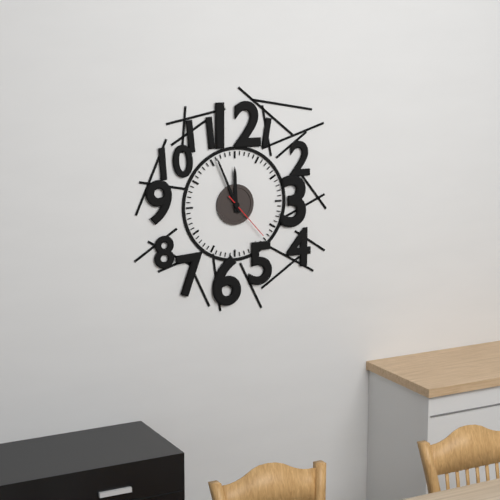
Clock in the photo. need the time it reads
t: 11:56:23
